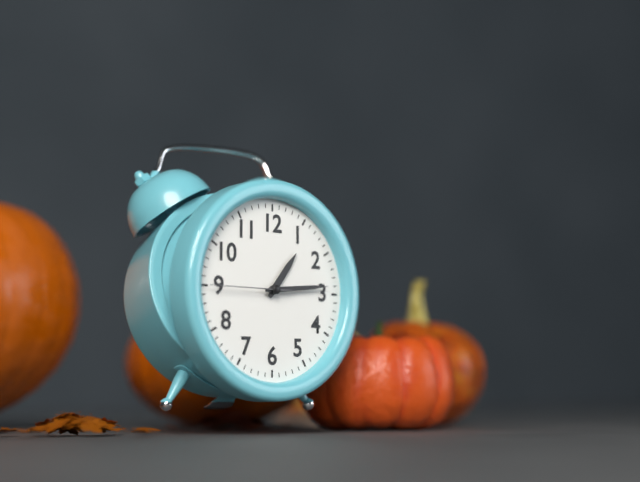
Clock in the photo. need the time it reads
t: 1:14:45
